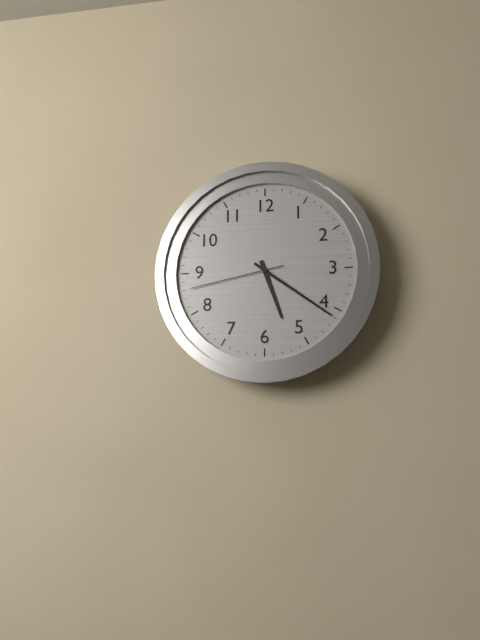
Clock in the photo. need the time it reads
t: 5:21:43
